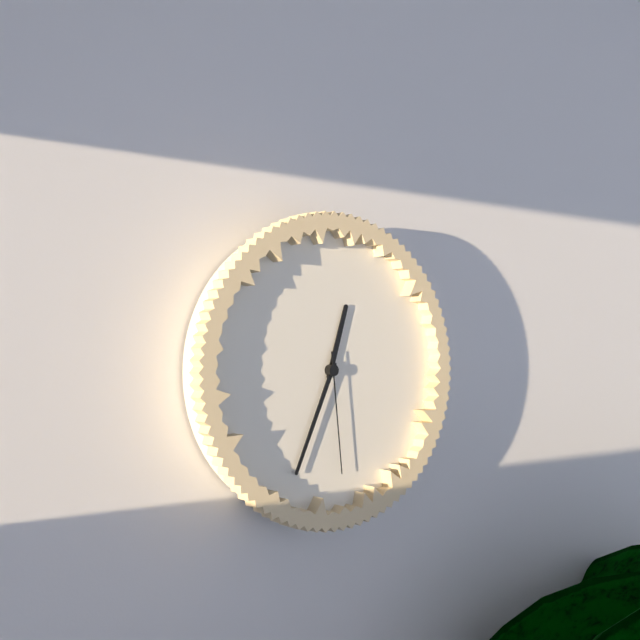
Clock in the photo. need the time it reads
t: 12:34:29
